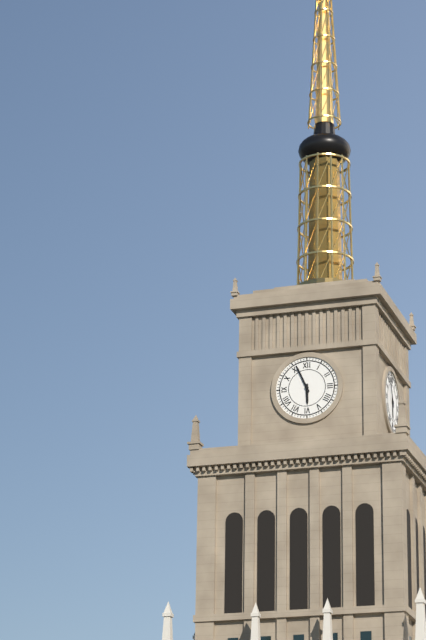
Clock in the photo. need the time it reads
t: 5:56
